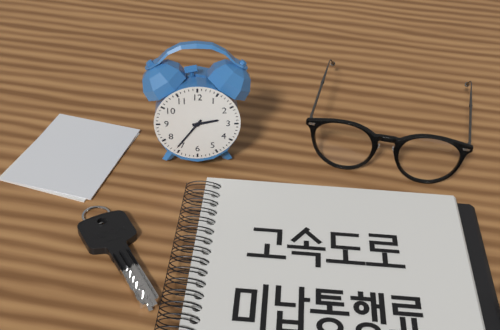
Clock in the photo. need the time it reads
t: 2:36
